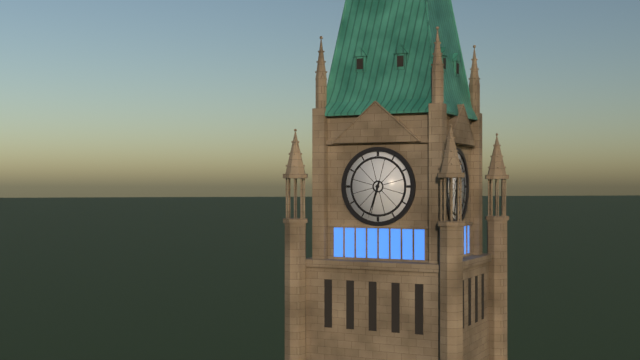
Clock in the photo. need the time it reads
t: 6:33
